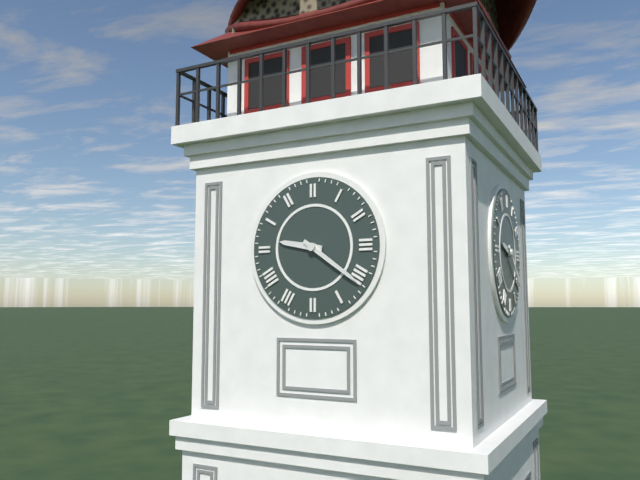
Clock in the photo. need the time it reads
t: 9:21
